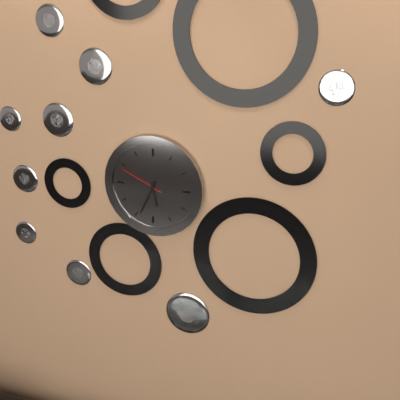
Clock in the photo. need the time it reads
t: 5:34
